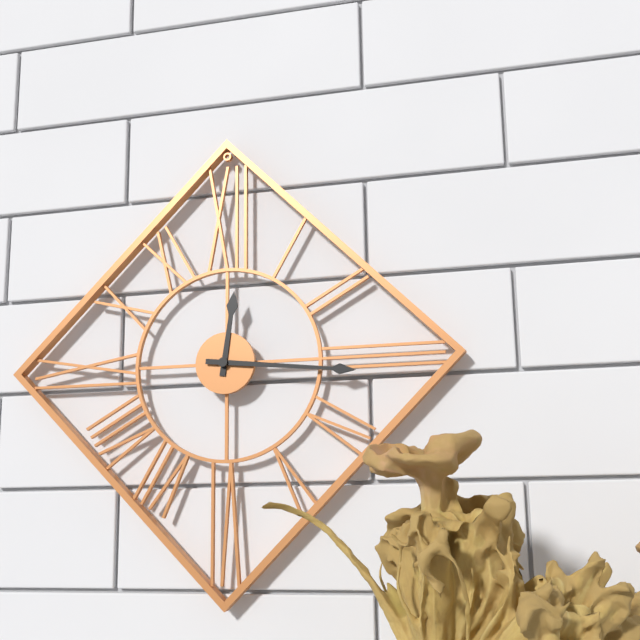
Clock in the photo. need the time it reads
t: 12:16
